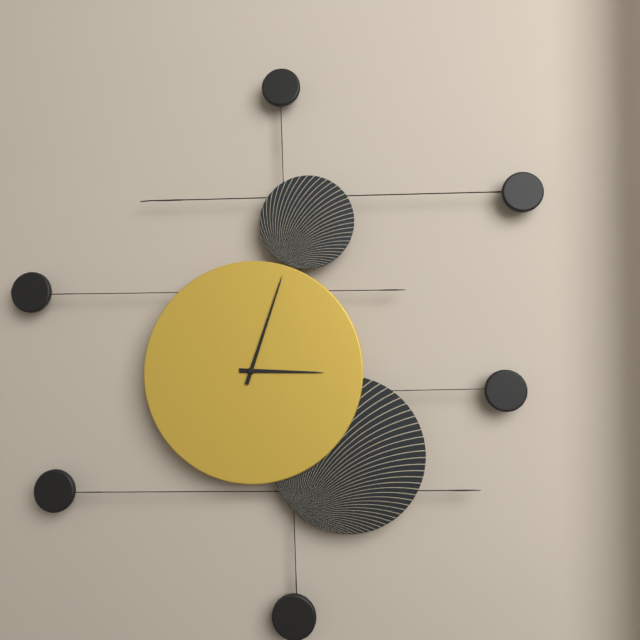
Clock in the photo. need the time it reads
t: 3:03
